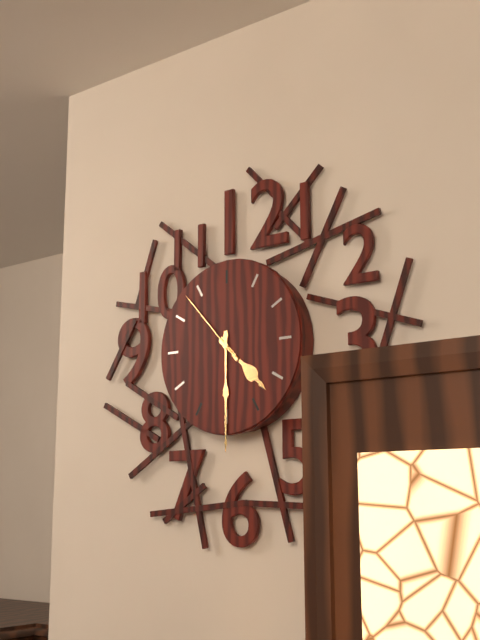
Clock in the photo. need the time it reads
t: 4:30:53
